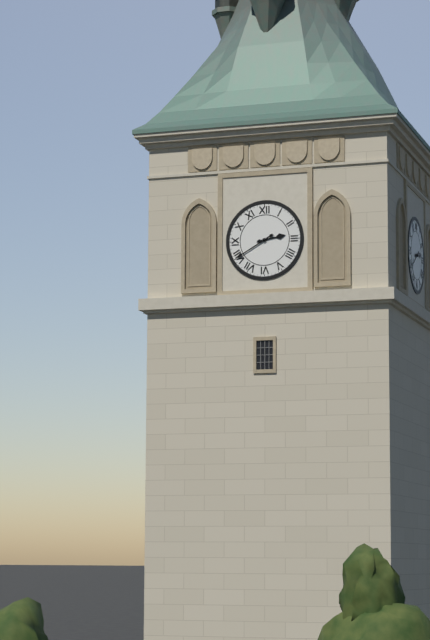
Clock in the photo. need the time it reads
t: 2:40
